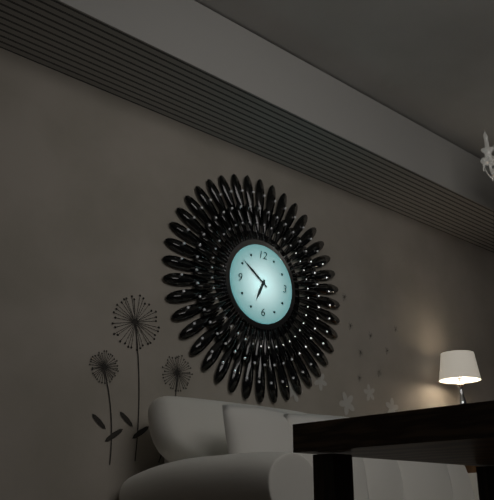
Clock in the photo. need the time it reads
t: 6:51
